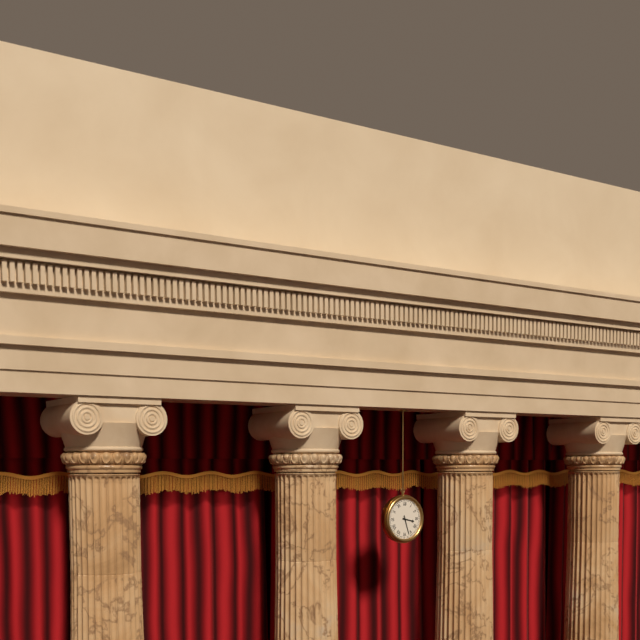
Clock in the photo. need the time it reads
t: 3:27
